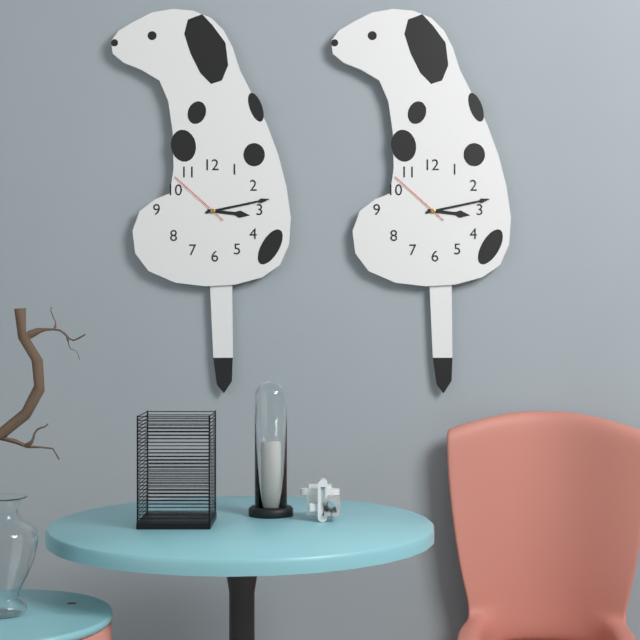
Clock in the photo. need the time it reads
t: 3:13:52
